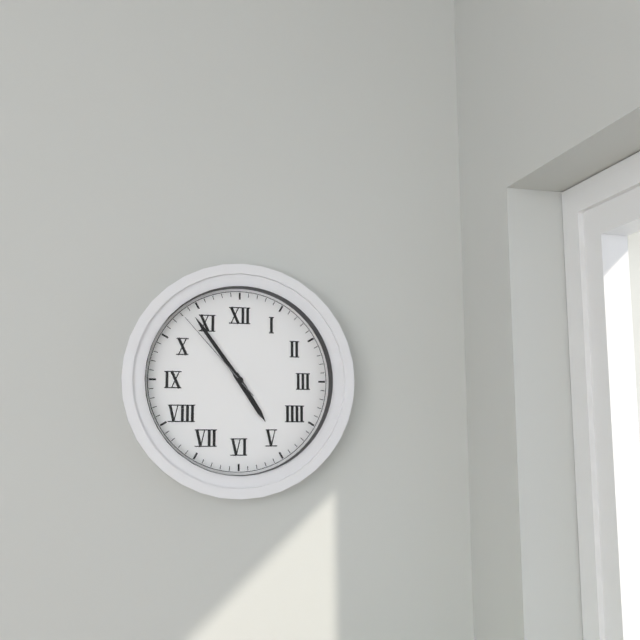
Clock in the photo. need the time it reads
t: 4:54:53
